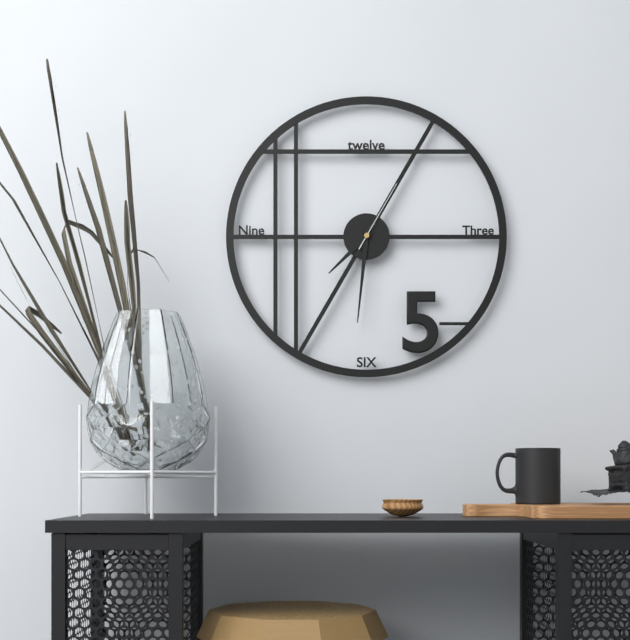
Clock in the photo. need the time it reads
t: 7:31:05
